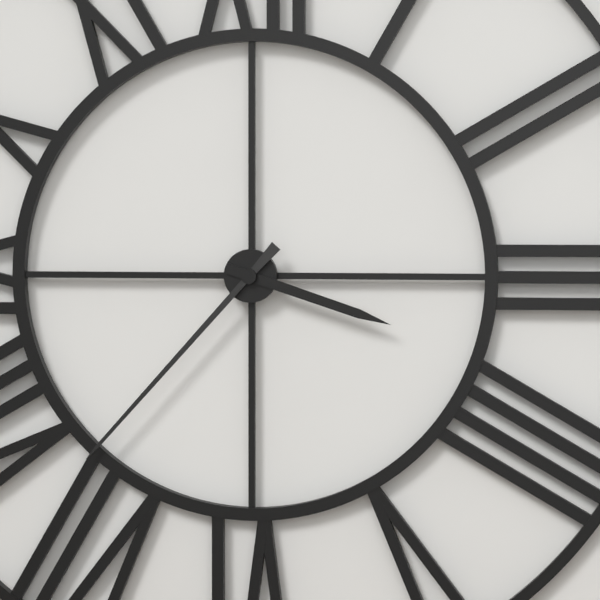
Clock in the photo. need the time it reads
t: 3:37
